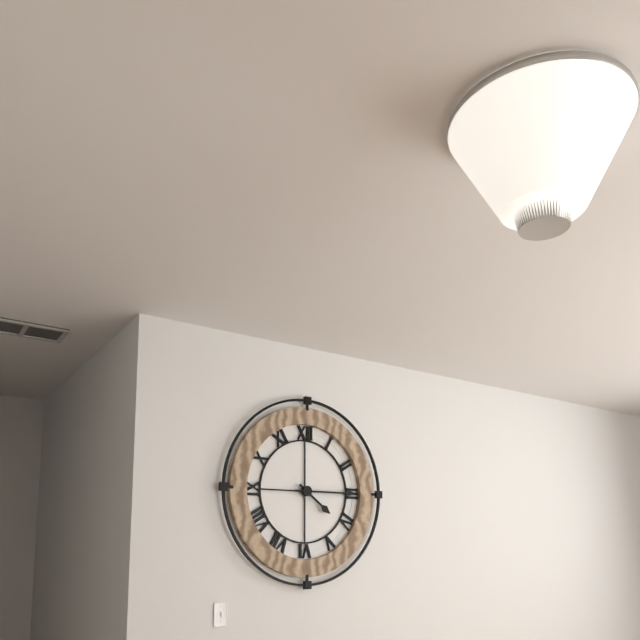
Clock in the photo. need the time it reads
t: 4:15
